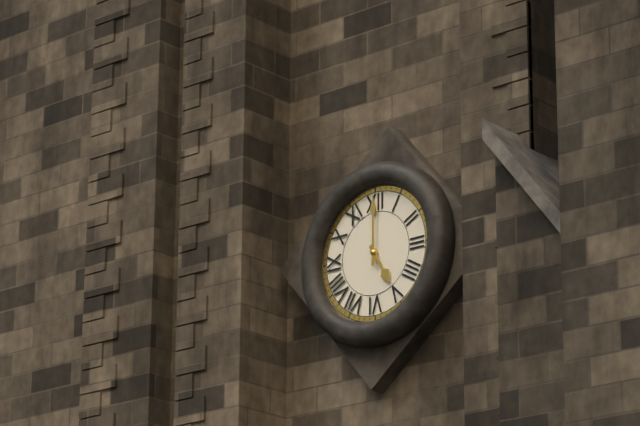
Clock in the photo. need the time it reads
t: 5:00
